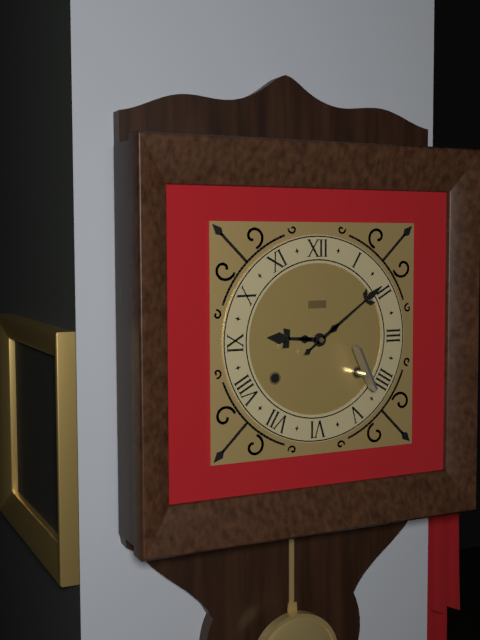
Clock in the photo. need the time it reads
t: 9:09
